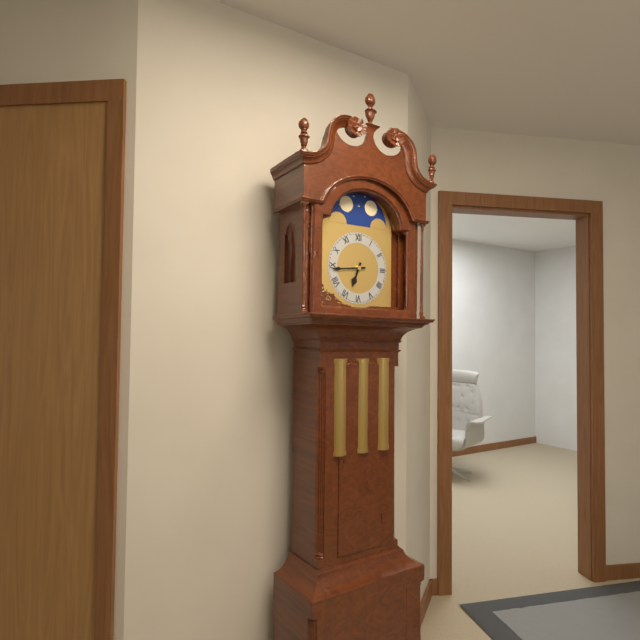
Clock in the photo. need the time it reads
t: 6:44
